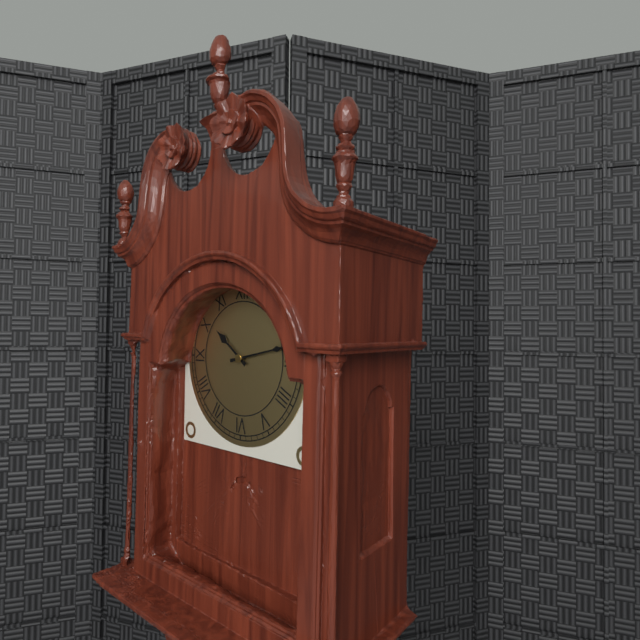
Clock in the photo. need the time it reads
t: 10:13
